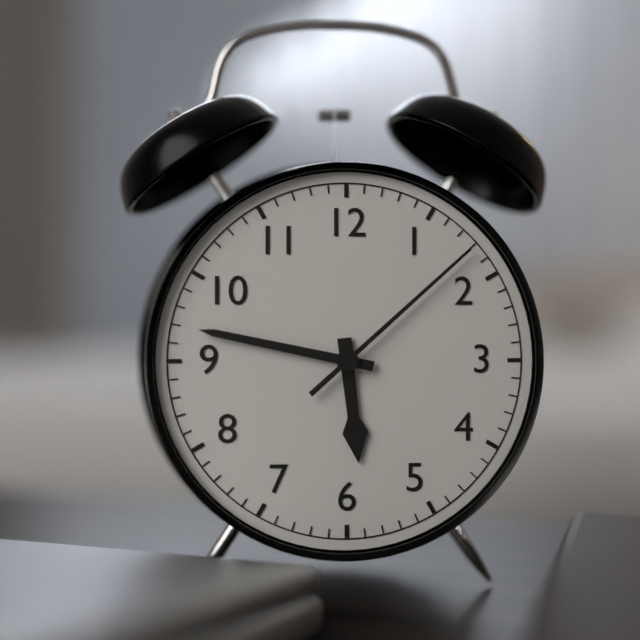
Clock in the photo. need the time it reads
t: 5:47:08
